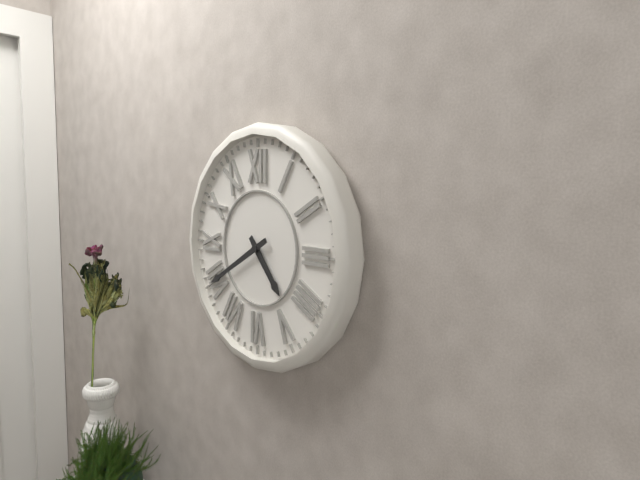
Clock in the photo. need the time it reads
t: 4:40
